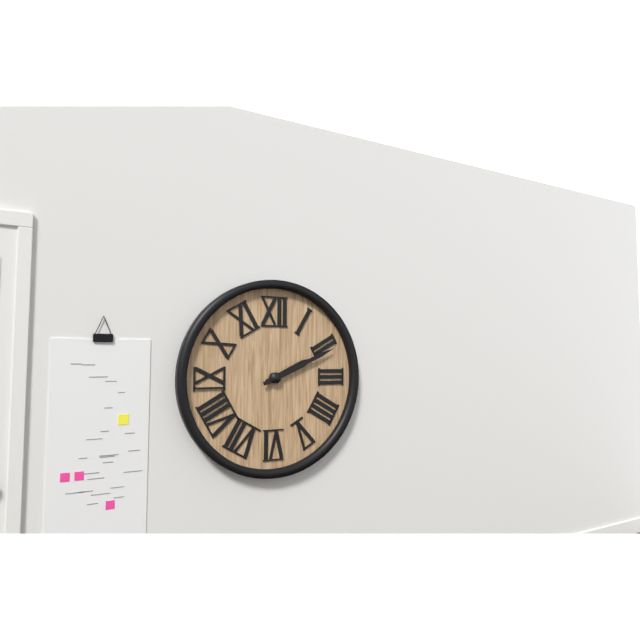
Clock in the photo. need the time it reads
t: 2:11
